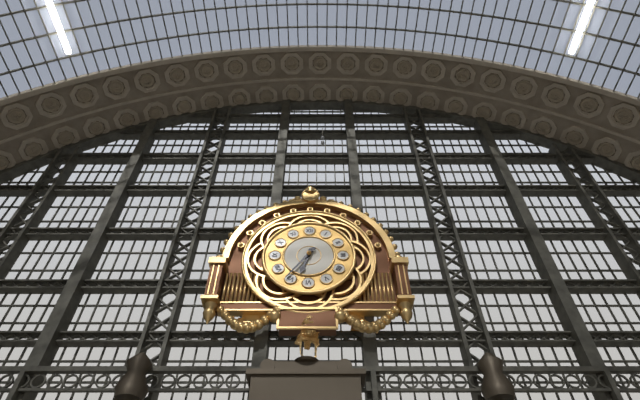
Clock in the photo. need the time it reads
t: 6:36
